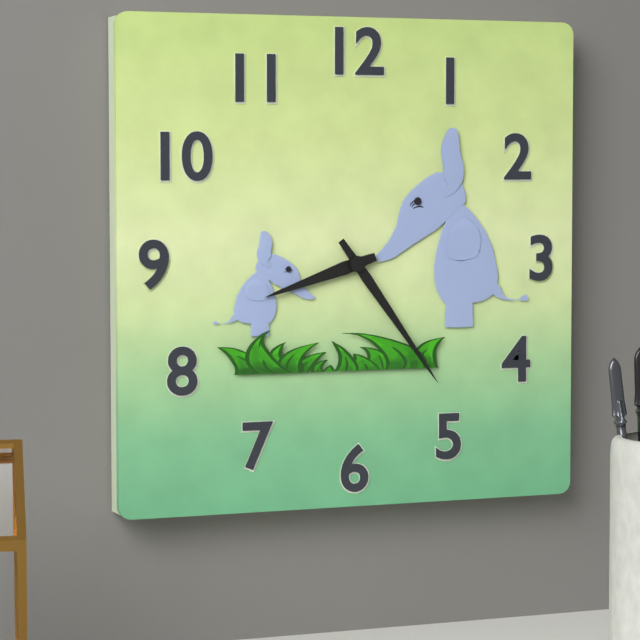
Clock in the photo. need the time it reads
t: 8:24
